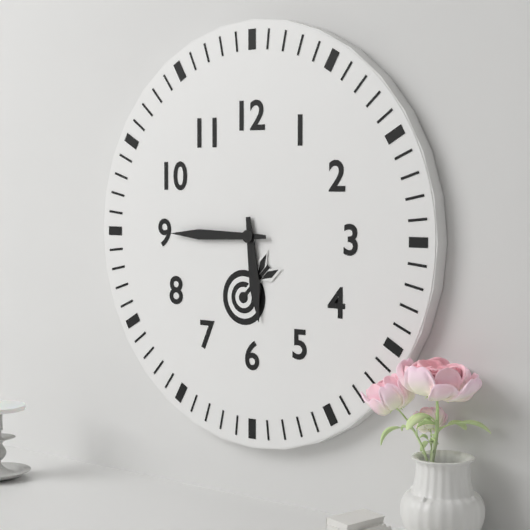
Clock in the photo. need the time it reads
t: 5:45
